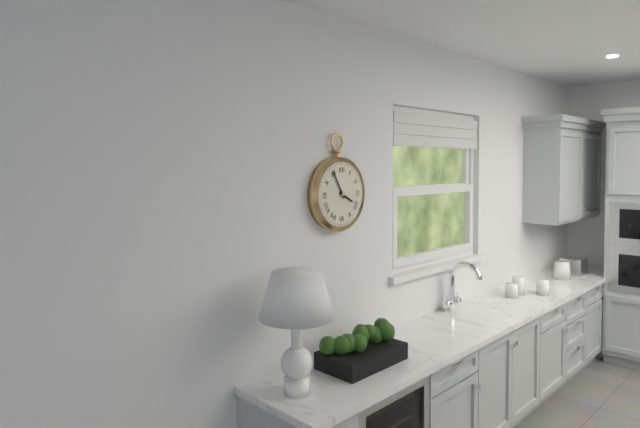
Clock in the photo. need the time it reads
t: 3:55
